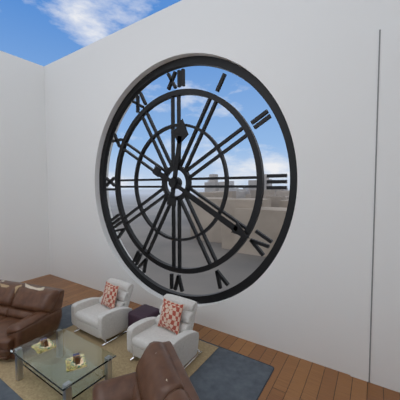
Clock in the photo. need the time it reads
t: 12:20
